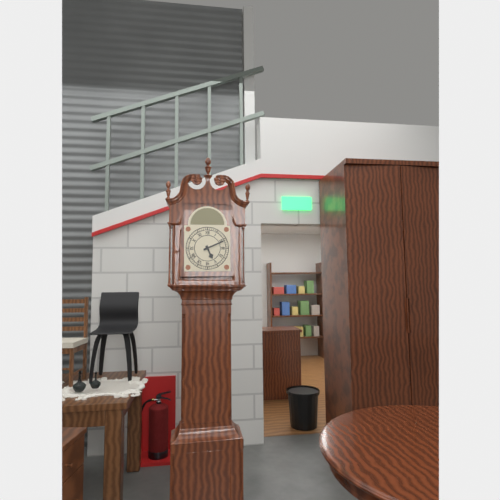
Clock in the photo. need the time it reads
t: 5:11
